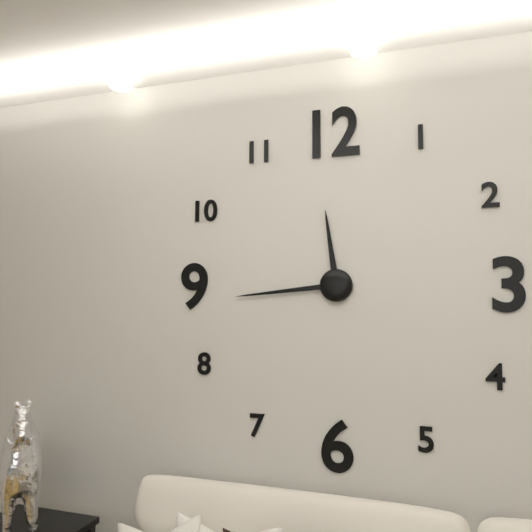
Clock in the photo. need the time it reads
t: 11:44
